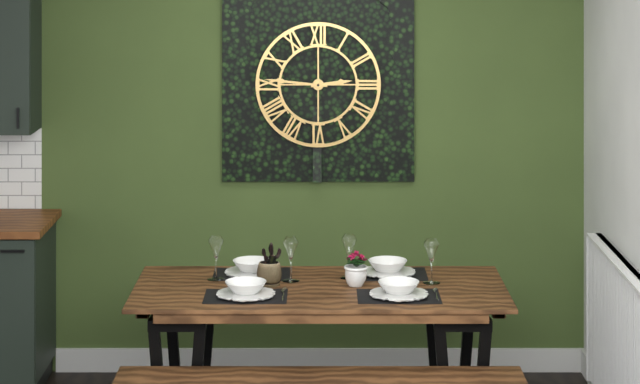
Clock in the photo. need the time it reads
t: 2:46
